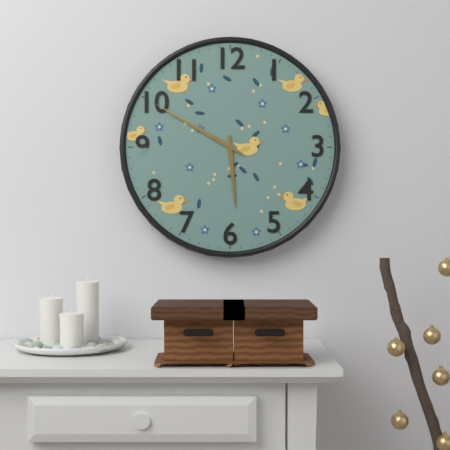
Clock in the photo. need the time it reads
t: 5:50
